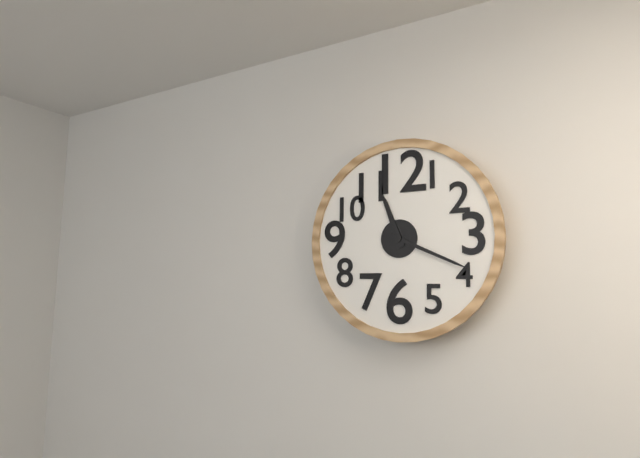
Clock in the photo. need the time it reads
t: 11:19
